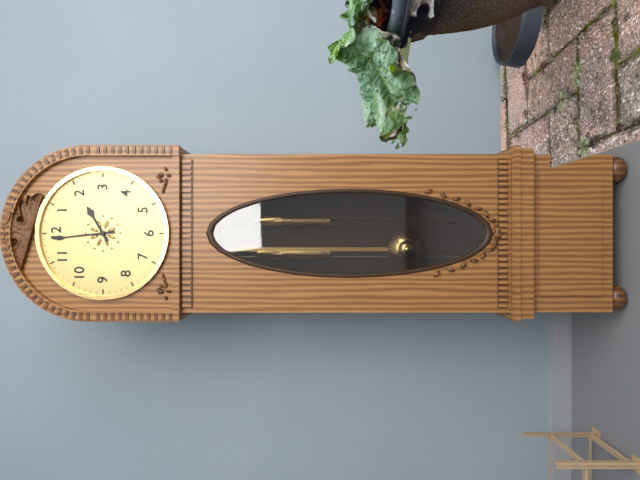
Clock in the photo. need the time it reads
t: 1:59
